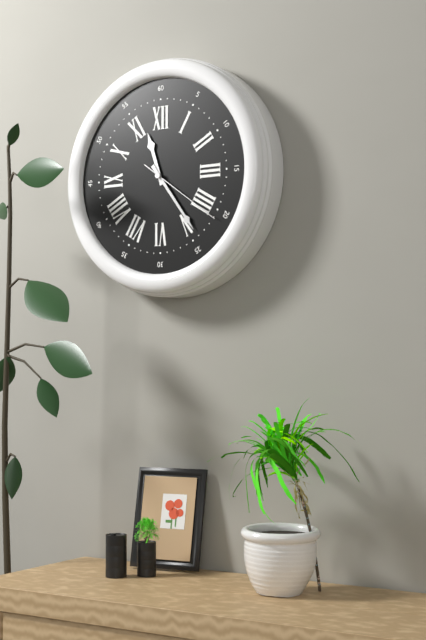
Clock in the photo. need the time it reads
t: 11:24:21
